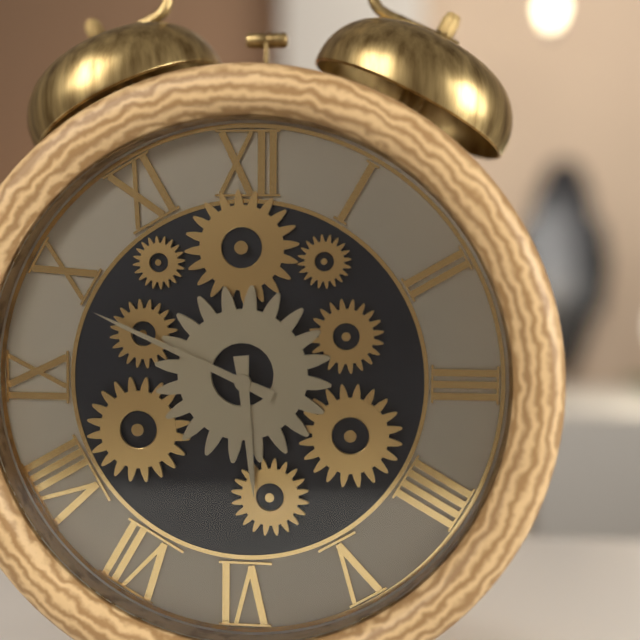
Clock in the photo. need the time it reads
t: 5:49
